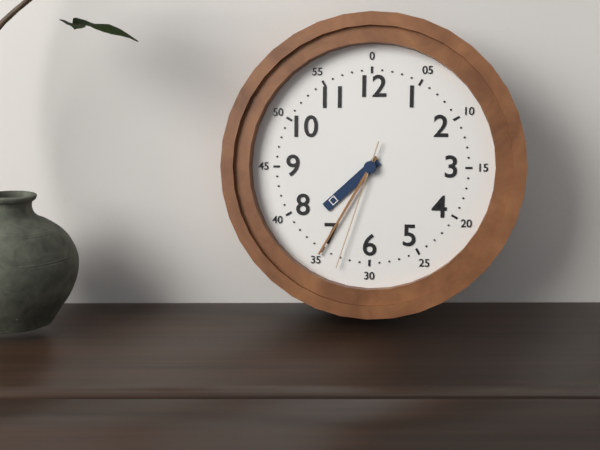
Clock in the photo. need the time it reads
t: 7:35:33
